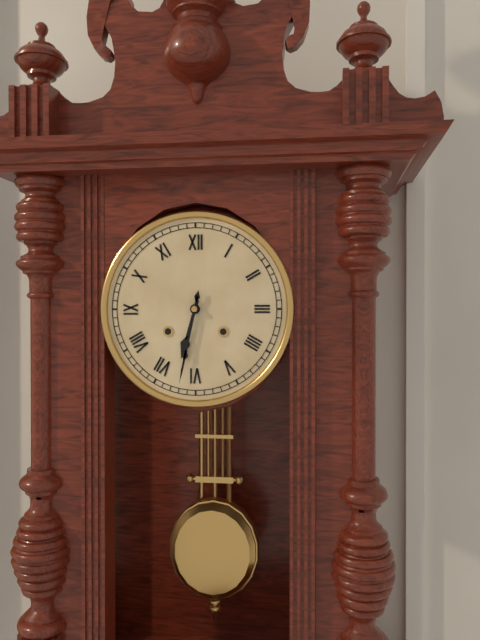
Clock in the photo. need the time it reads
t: 6:32
